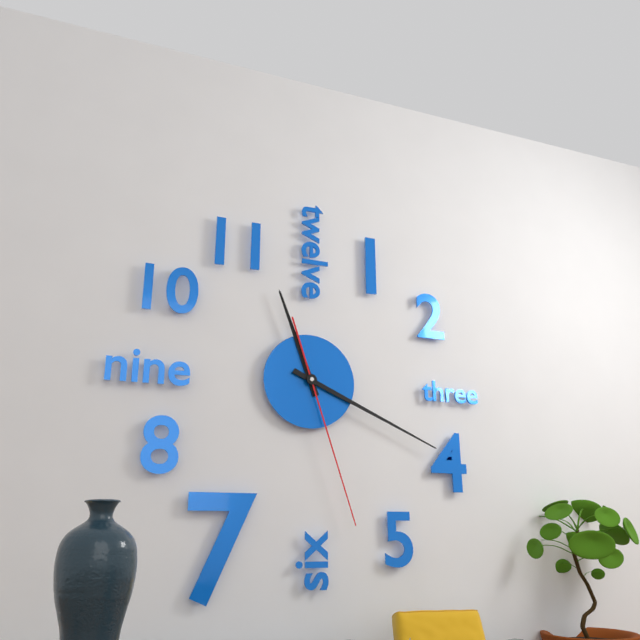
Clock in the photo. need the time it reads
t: 11:19:27
